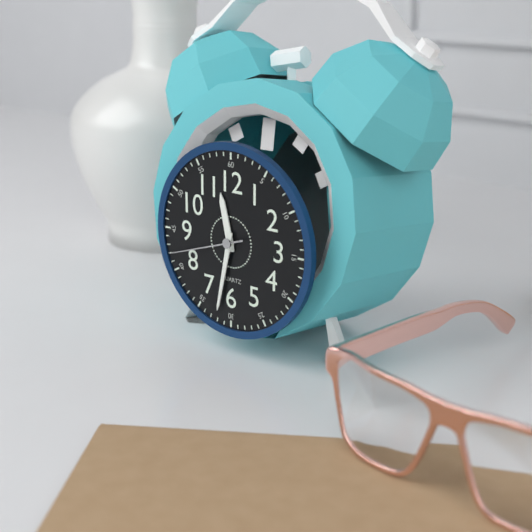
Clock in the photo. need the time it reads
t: 11:32:42
